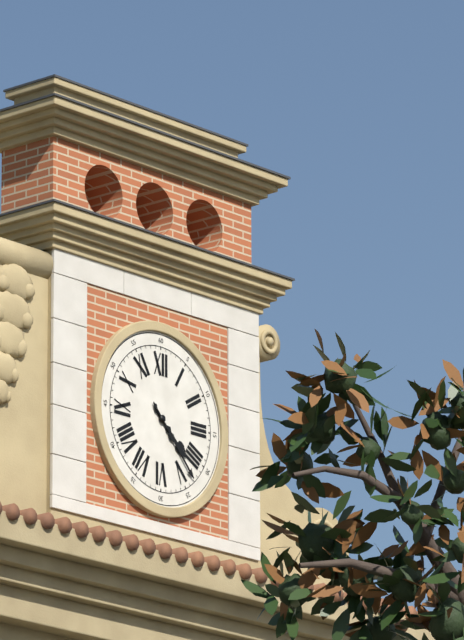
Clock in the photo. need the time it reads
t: 4:23
